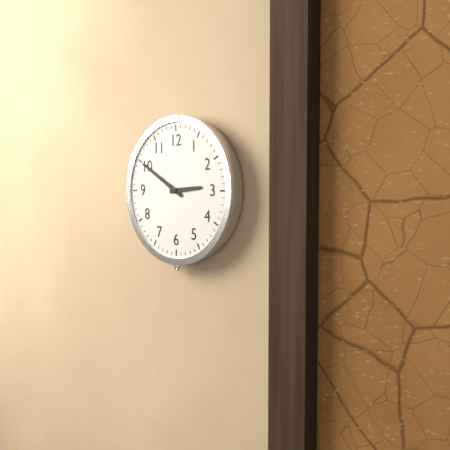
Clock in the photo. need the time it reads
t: 2:50
